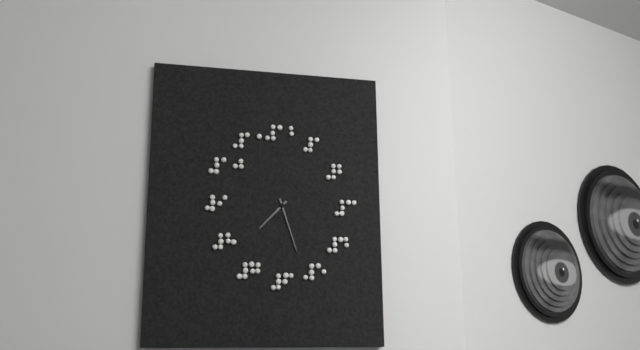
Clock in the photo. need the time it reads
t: 7:27
